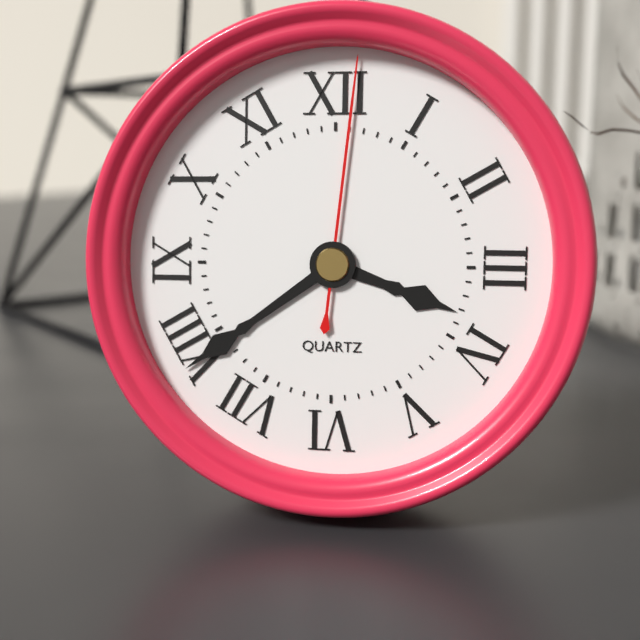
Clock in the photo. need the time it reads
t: 3:39:01
